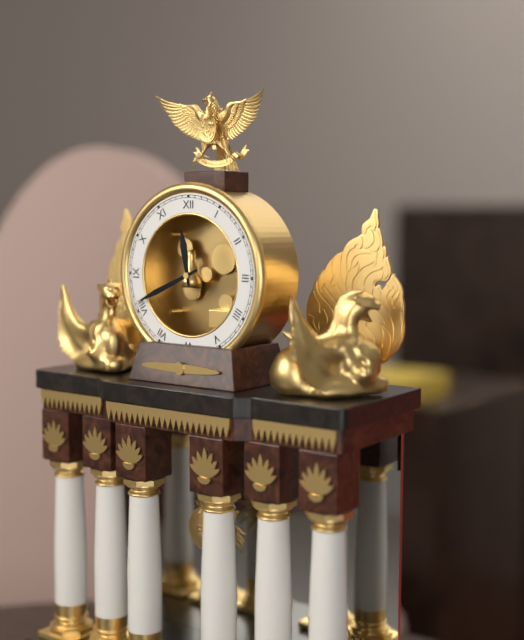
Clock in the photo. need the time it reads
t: 11:41
